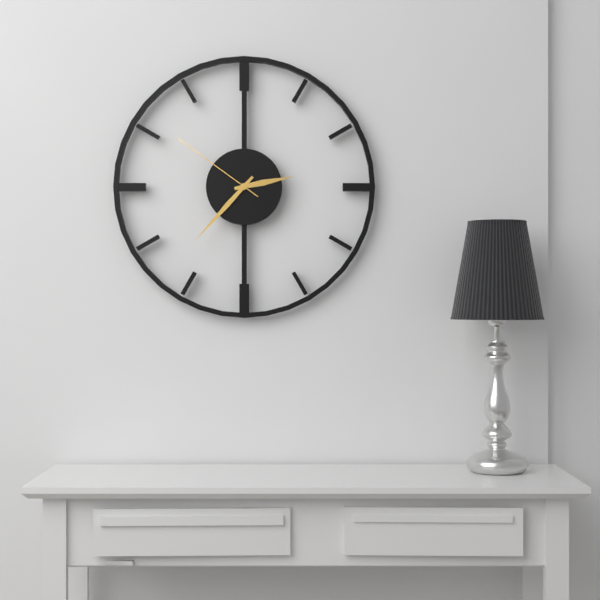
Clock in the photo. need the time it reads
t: 2:37:51
